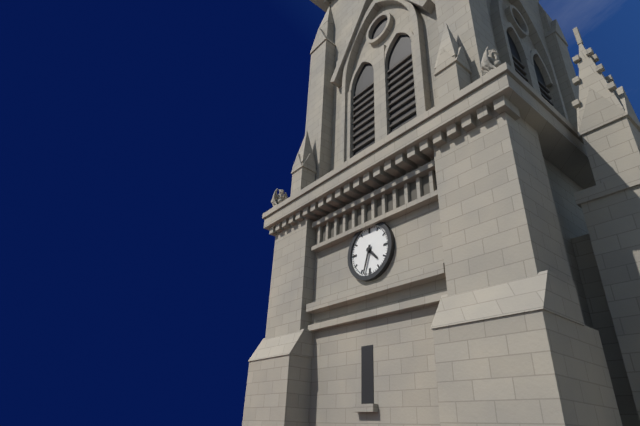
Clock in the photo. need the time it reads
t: 4:33
